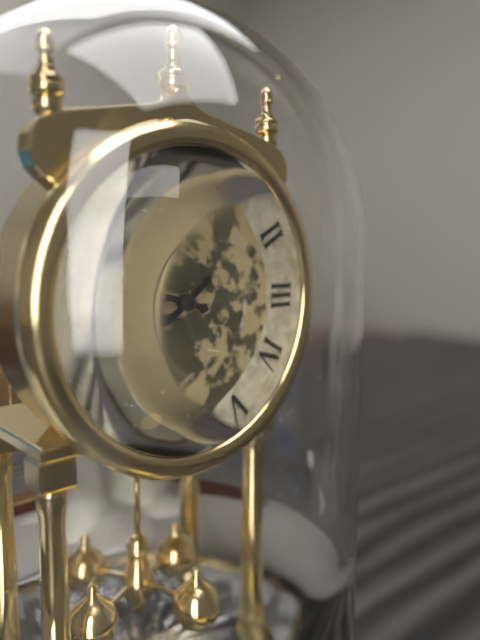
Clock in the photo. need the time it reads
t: 9:38
